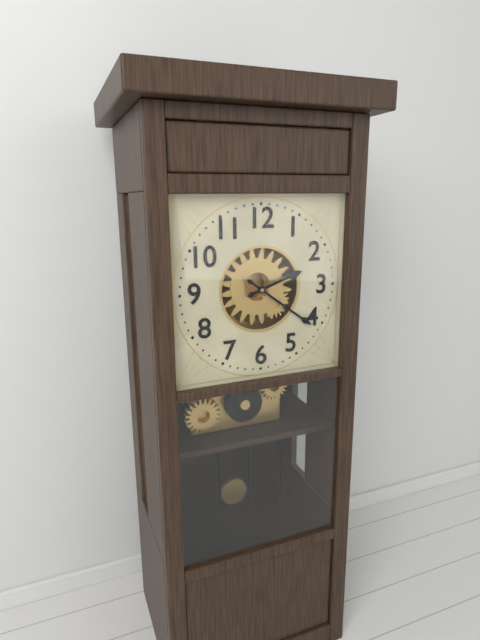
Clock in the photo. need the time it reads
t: 2:21
